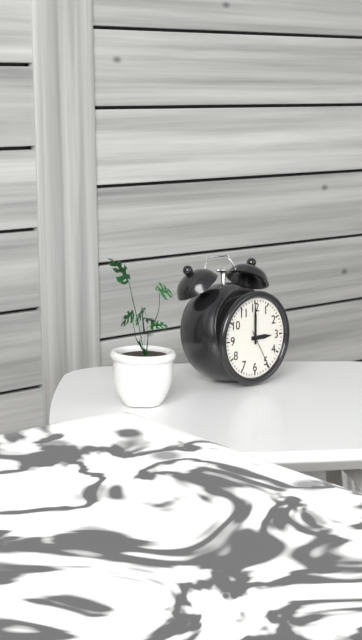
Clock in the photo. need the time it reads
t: 3:00
